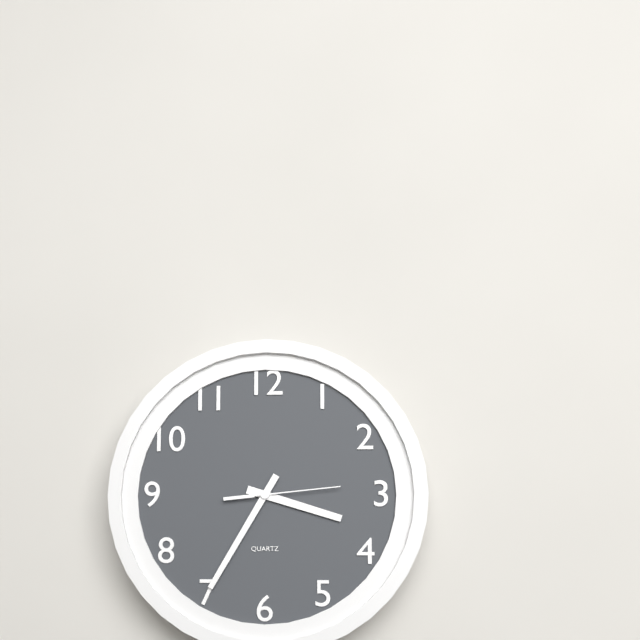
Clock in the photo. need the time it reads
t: 3:35:14
